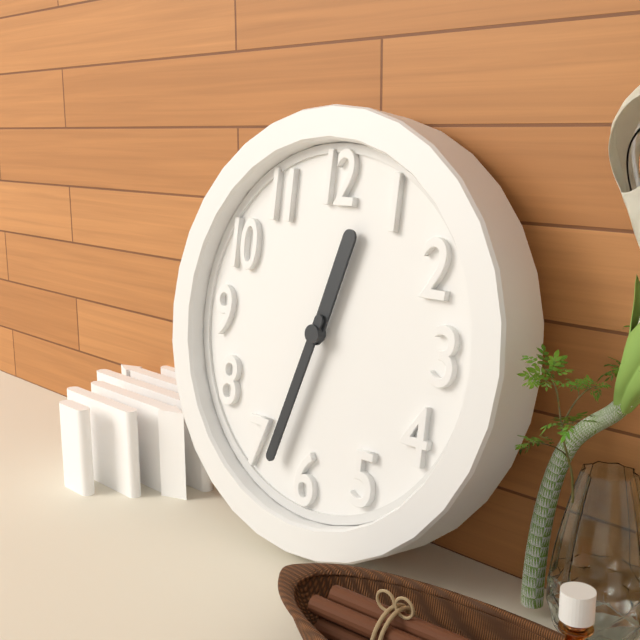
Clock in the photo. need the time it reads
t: 12:33
